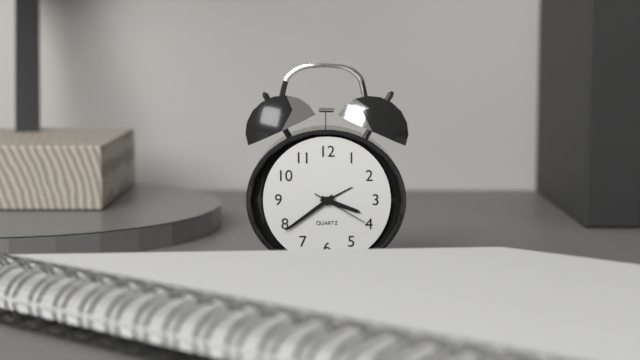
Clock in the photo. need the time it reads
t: 3:39:20
